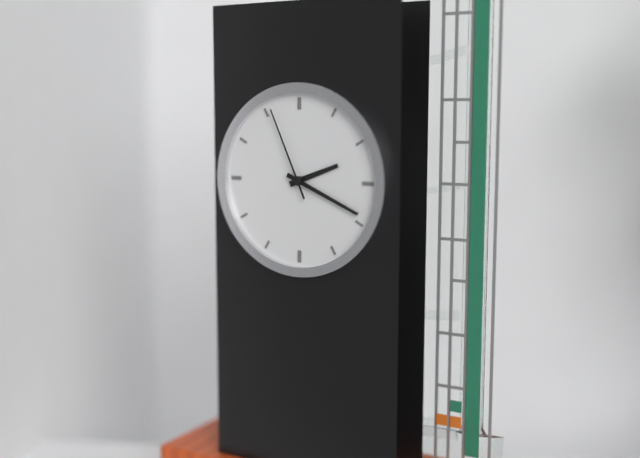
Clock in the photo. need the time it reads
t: 2:19:56
